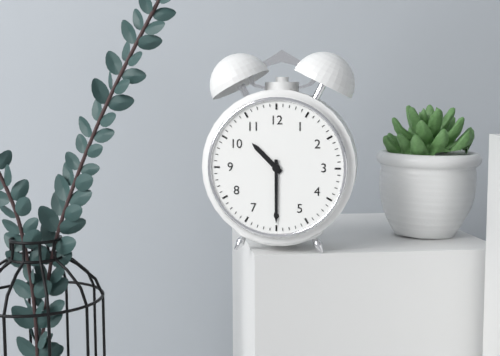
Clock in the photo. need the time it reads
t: 10:30
